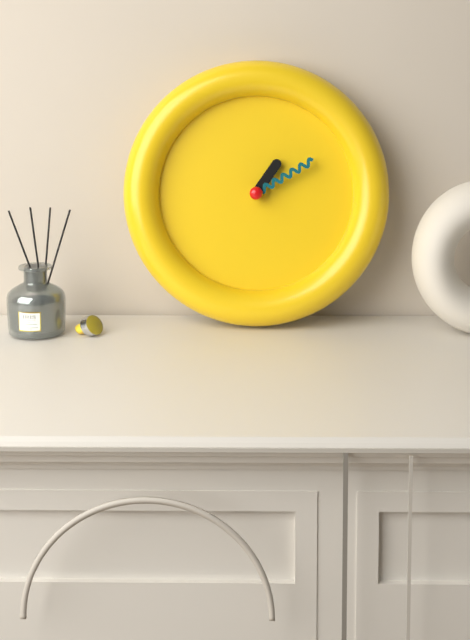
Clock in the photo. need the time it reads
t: 1:10
